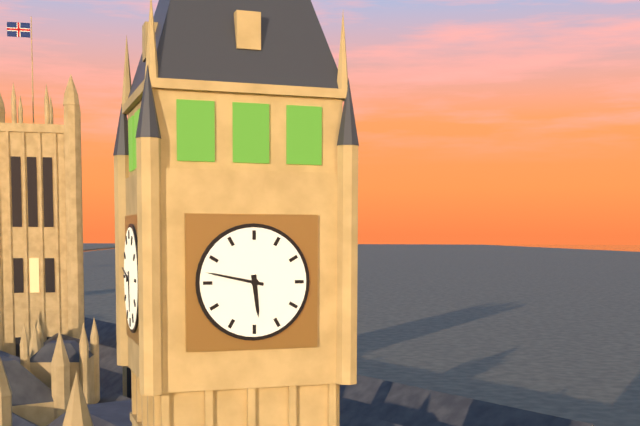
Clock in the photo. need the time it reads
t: 5:47
